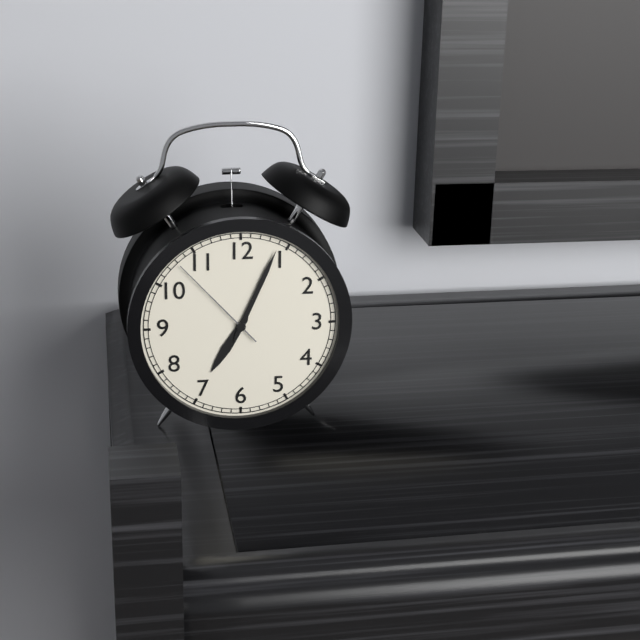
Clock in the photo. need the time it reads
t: 7:04:53
